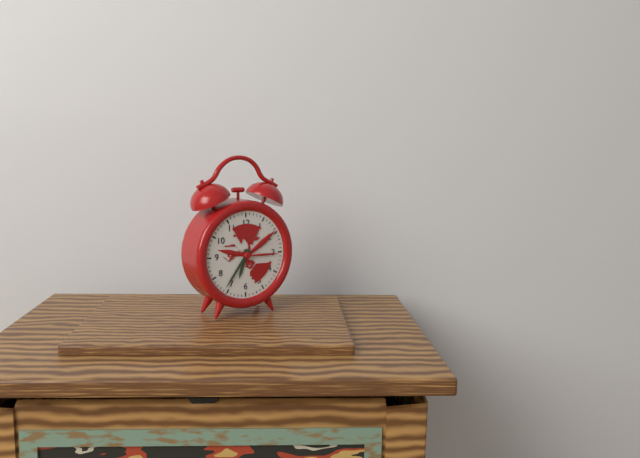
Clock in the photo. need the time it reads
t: 6:36
